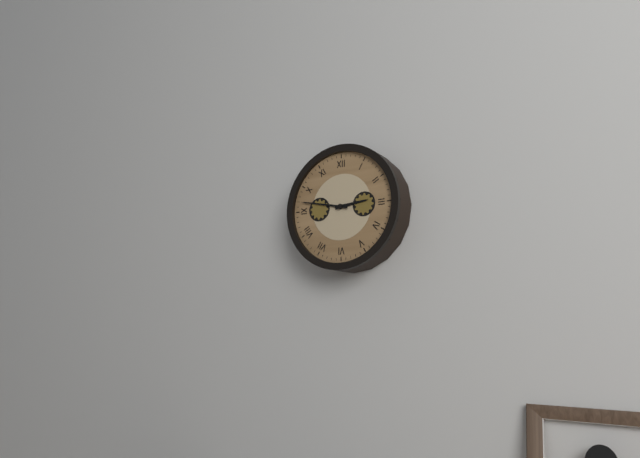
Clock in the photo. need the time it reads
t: 2:47
